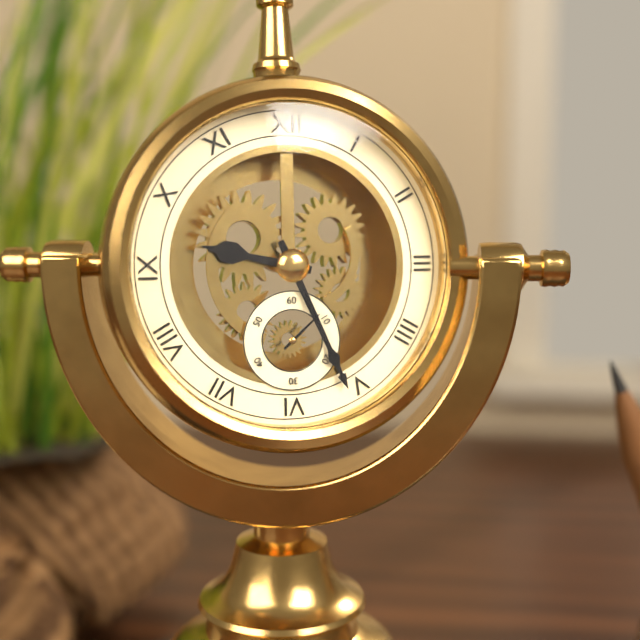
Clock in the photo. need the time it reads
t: 9:26
